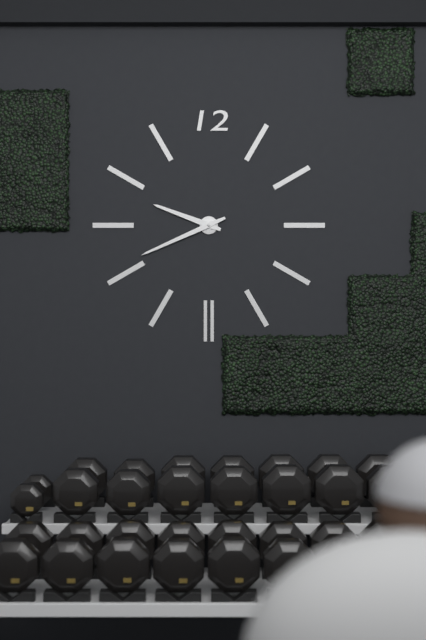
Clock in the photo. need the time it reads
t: 9:41
